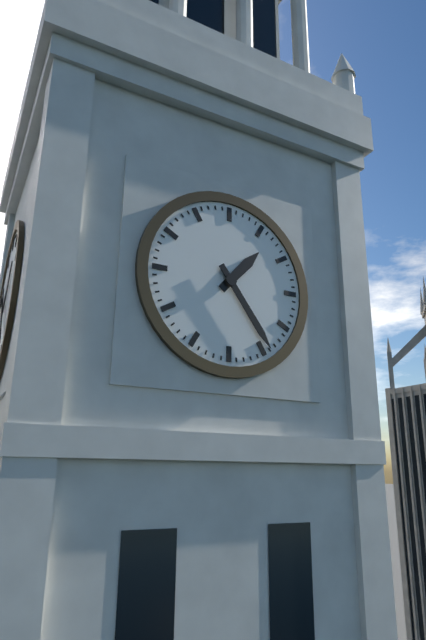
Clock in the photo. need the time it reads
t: 1:24
